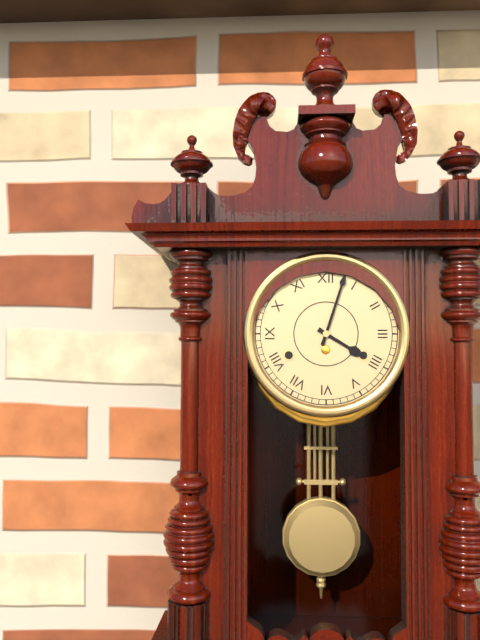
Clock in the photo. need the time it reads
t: 4:03
